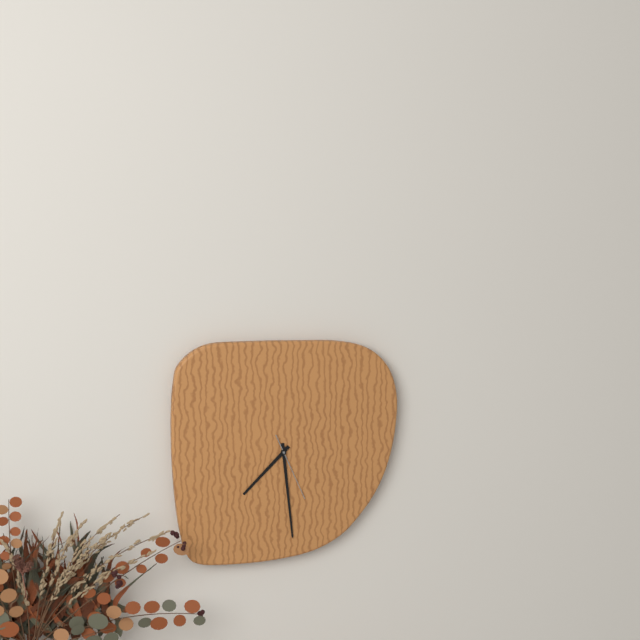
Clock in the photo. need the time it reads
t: 7:29:26
